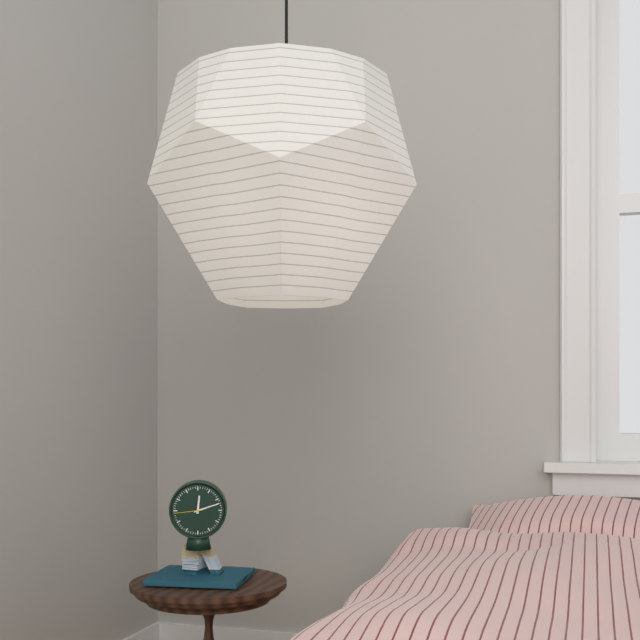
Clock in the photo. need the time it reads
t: 12:12
